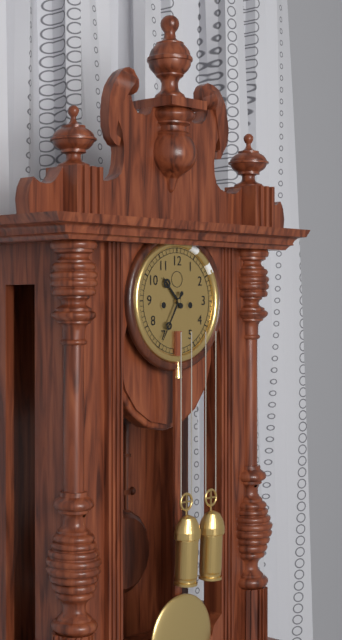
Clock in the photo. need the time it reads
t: 10:35
